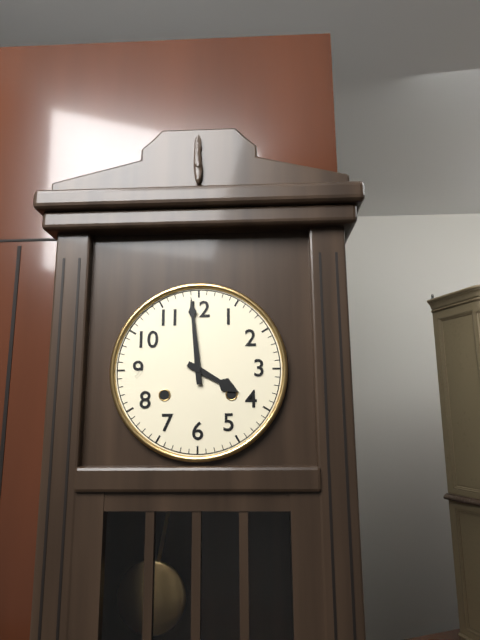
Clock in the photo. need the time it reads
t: 3:59
